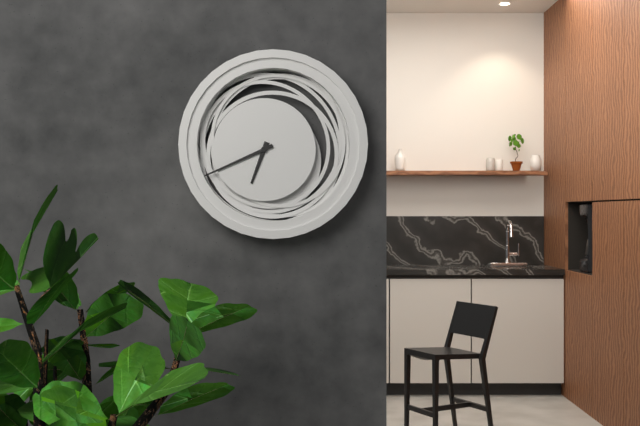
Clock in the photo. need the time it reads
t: 6:41
